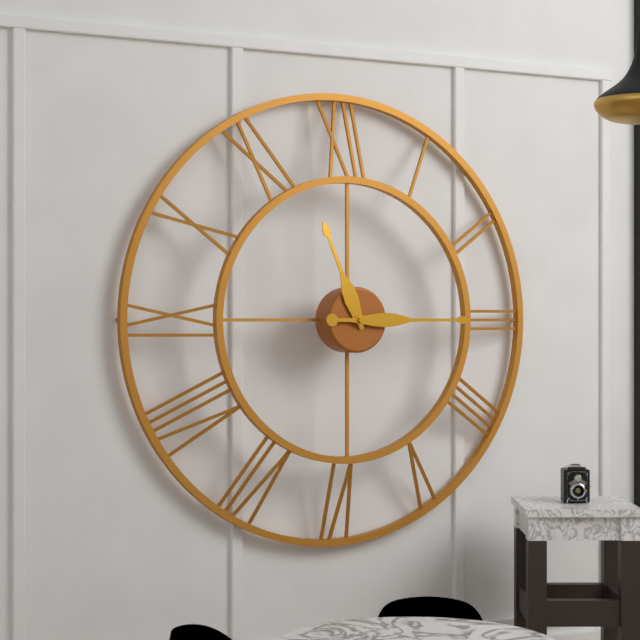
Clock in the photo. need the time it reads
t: 11:15
